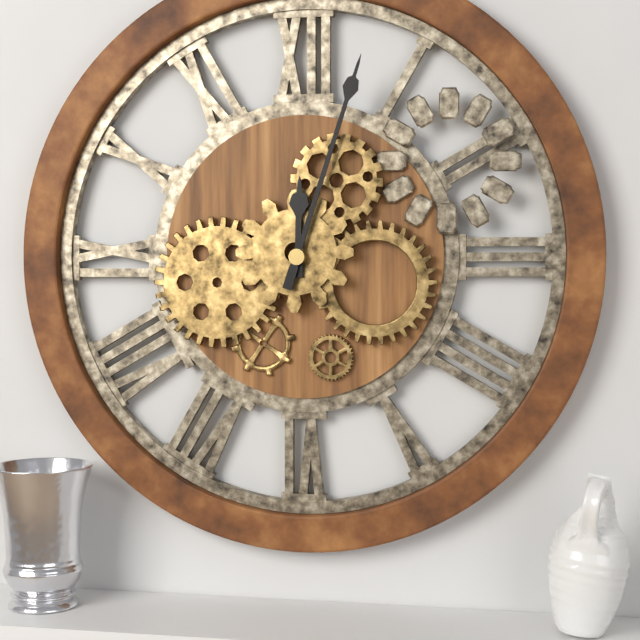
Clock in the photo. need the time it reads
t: 12:03
